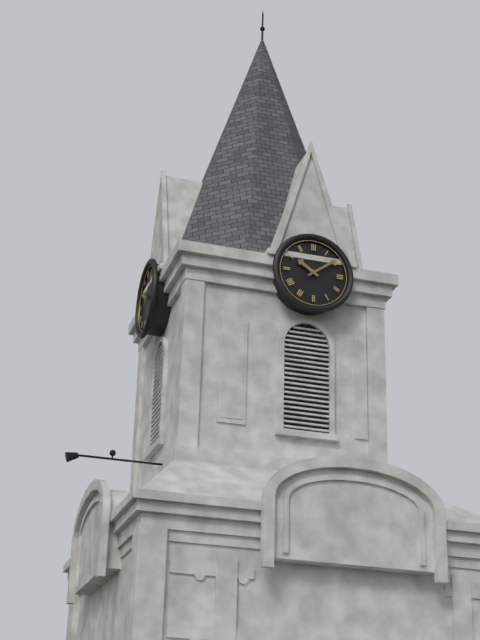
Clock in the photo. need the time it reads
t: 10:09
